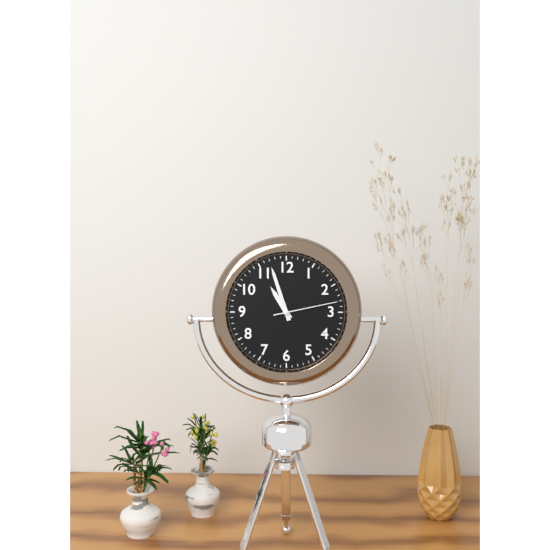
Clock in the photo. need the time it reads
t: 10:57:13
